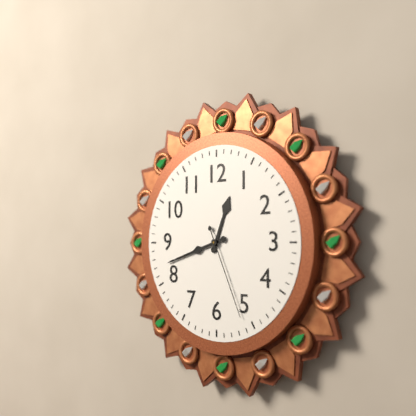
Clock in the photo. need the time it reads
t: 12:42:26
